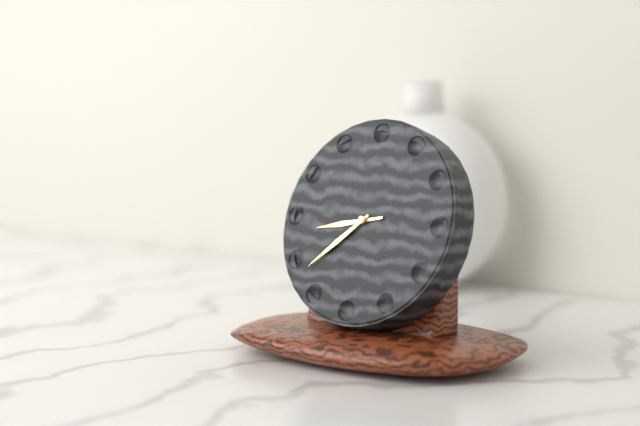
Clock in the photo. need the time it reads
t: 8:38
